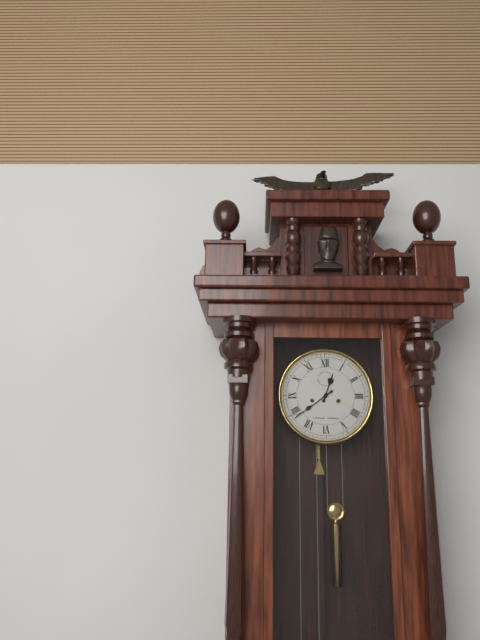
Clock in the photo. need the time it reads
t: 12:39
